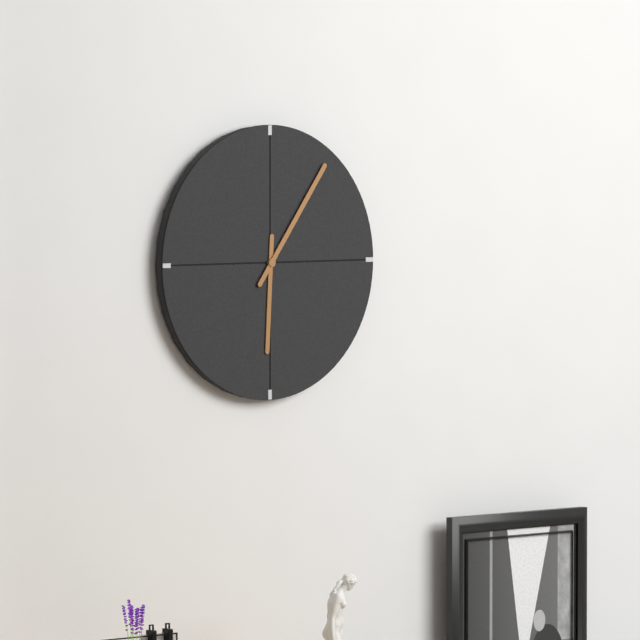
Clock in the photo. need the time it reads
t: 6:06
